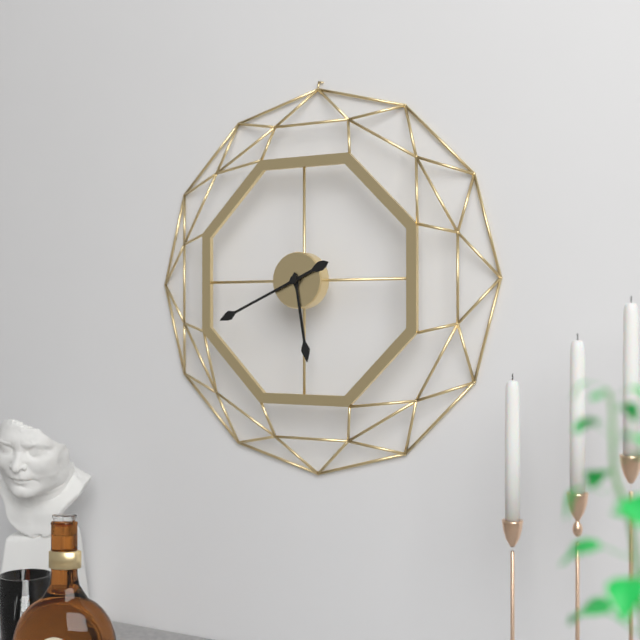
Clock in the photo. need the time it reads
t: 5:41
